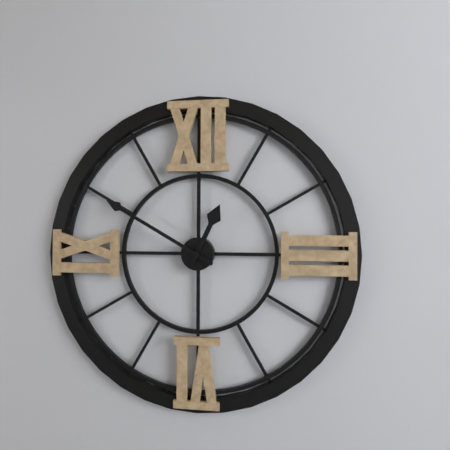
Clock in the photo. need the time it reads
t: 12:50
